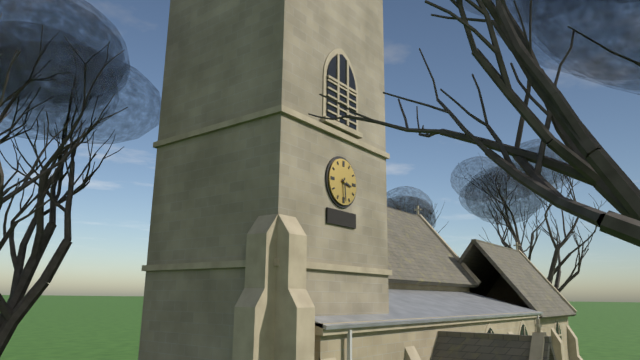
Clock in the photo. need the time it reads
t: 3:29
